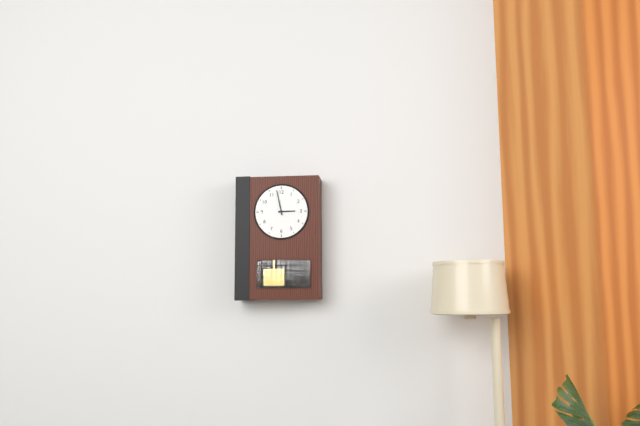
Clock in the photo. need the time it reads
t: 2:58
